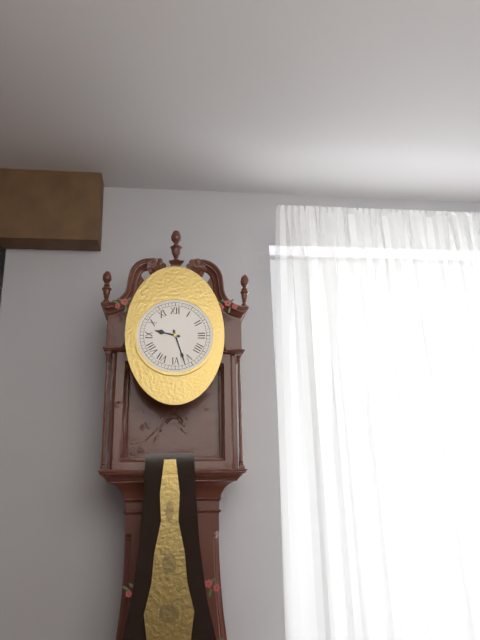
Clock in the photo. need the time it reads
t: 9:27
